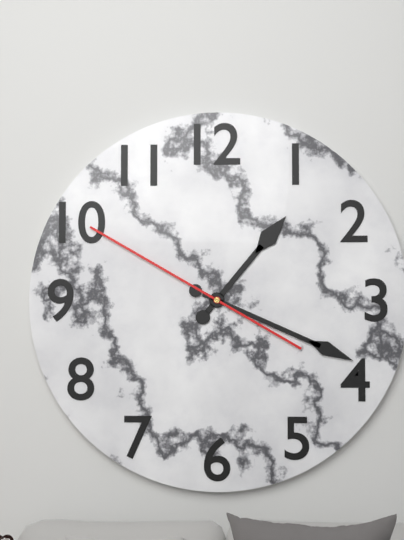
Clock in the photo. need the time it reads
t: 1:19:50
